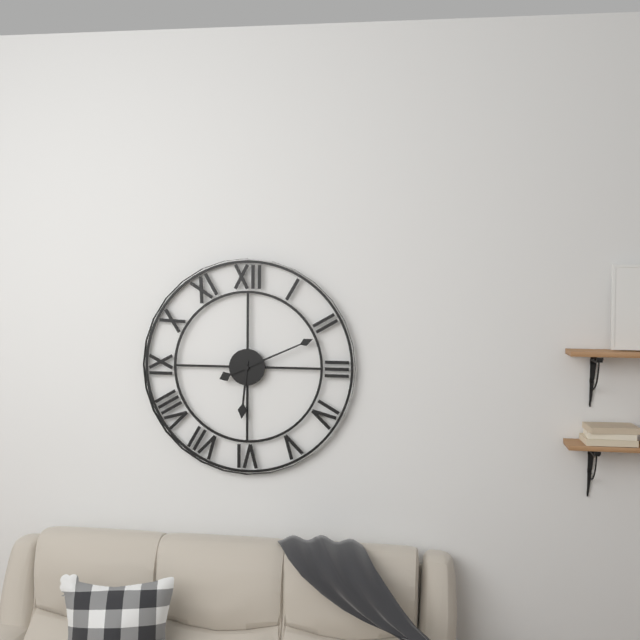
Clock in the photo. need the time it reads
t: 6:11
